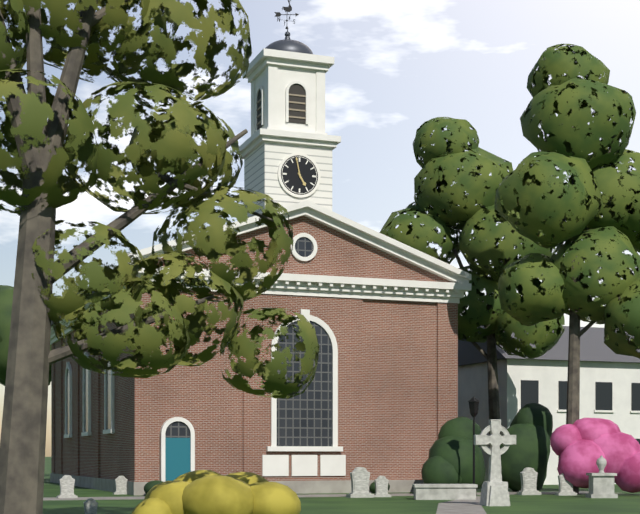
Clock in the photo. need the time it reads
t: 4:58
